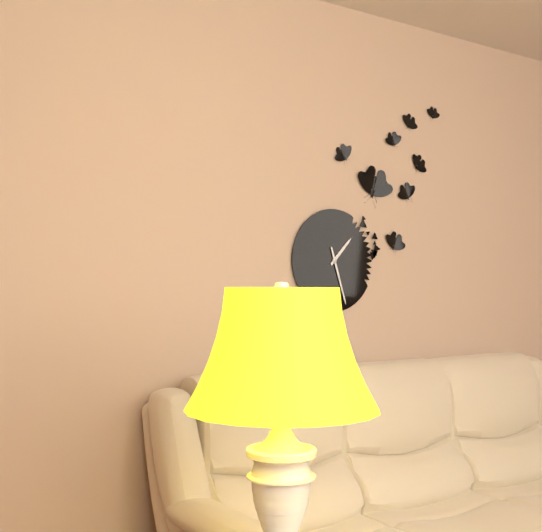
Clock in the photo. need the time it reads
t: 1:27
